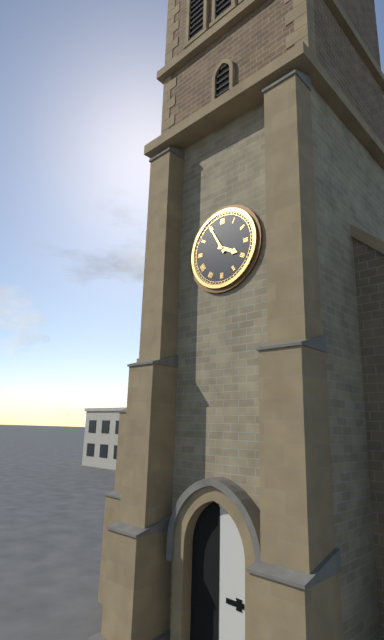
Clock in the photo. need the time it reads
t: 3:55
